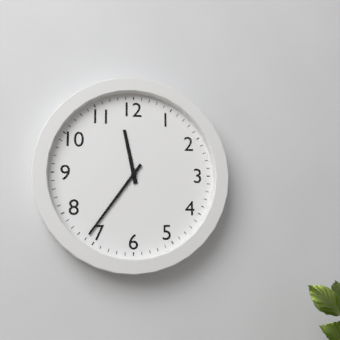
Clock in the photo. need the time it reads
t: 11:36
